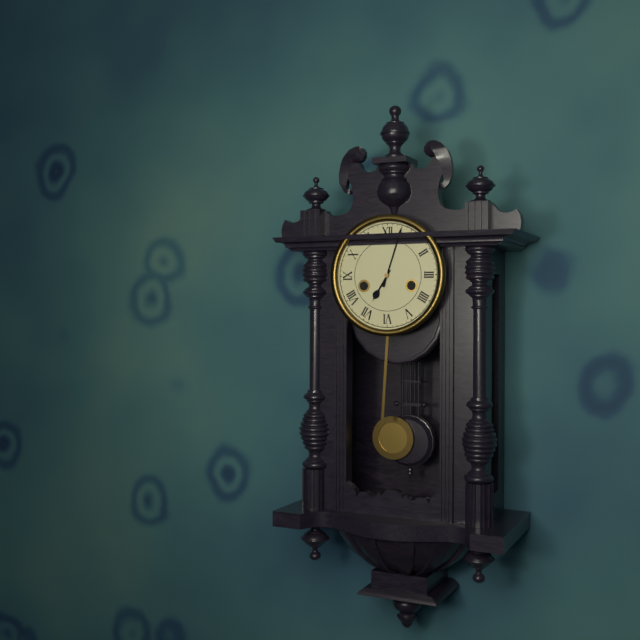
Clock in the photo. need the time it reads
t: 7:03
